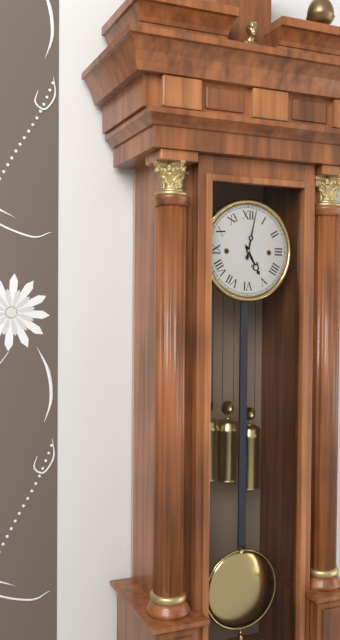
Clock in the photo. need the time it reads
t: 5:02
